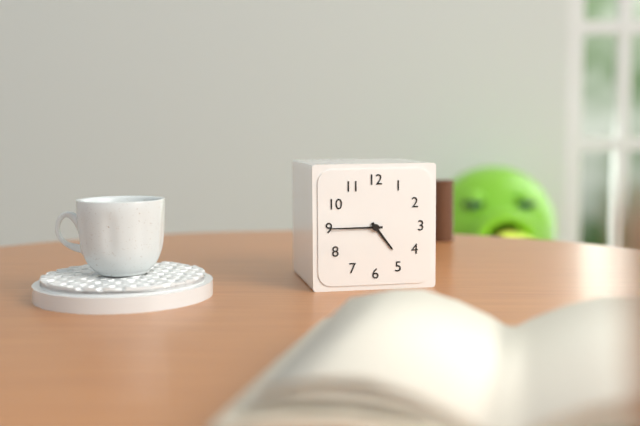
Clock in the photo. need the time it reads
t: 4:45
